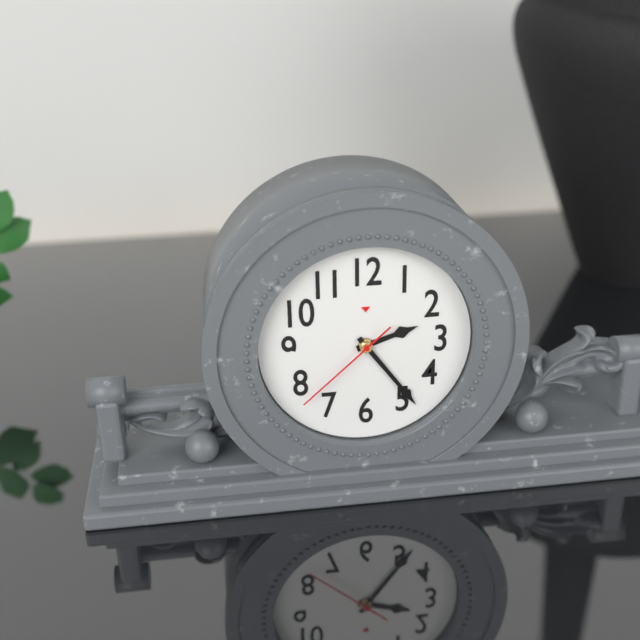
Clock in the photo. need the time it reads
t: 2:24:38
